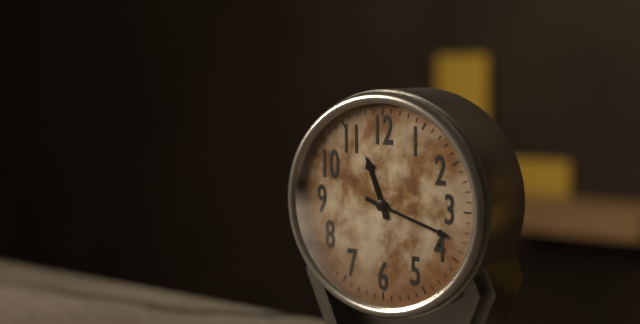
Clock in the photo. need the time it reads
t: 11:18
